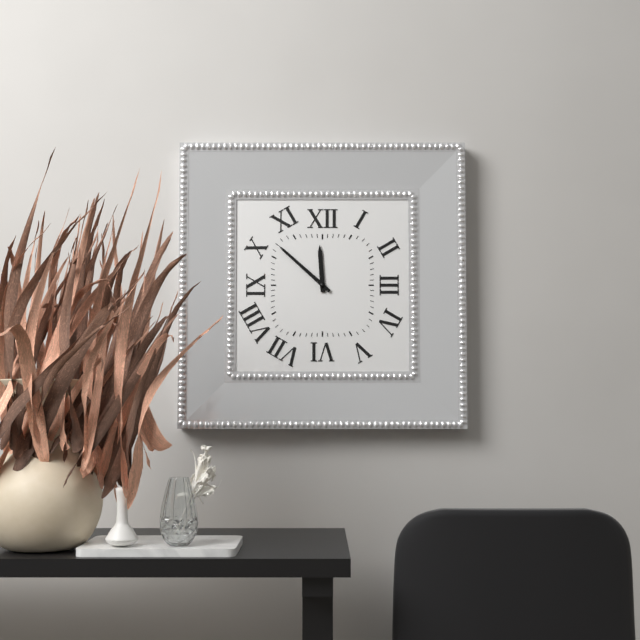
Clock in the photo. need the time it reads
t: 11:52
